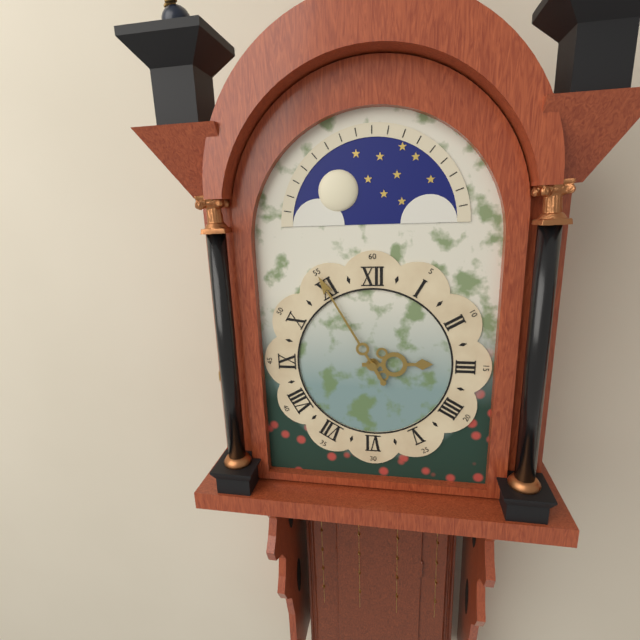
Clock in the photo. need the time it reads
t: 2:55
